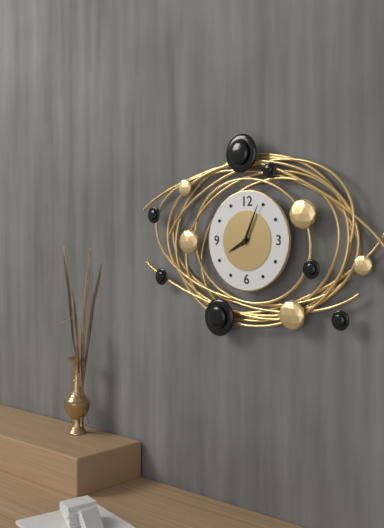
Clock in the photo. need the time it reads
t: 8:04
